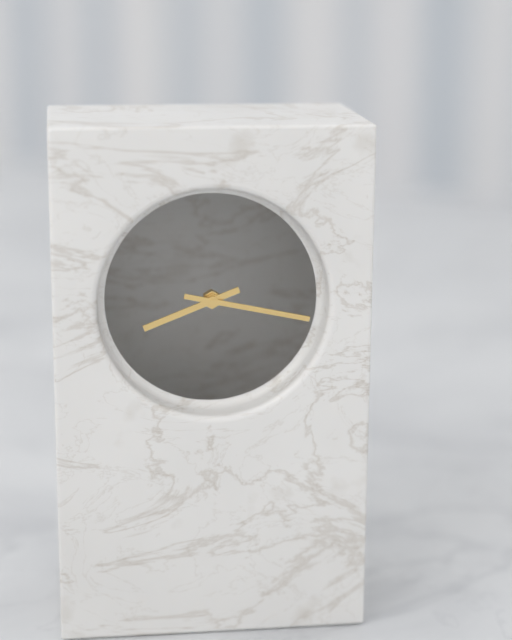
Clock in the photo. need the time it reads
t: 8:17
